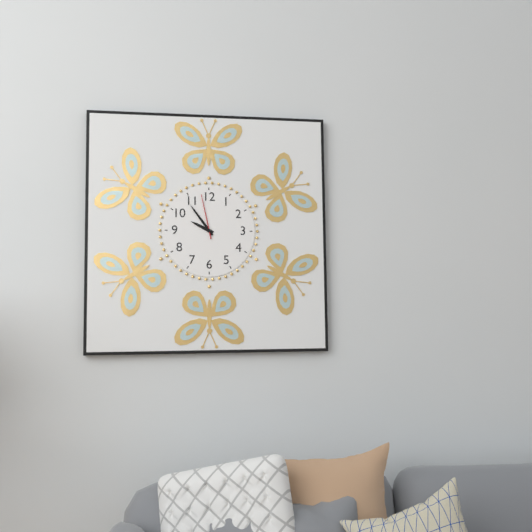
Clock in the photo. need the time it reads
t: 9:54
